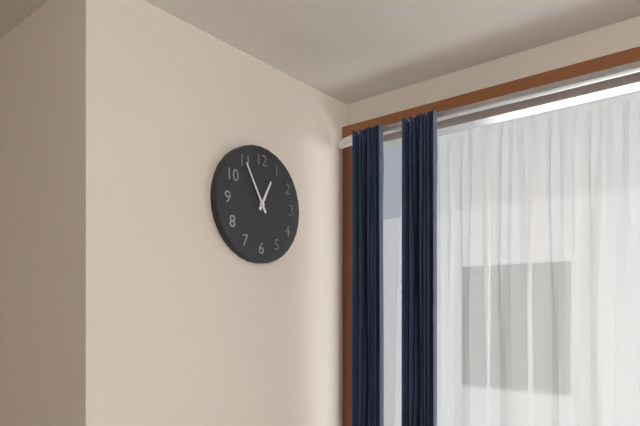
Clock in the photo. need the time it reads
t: 12:55
